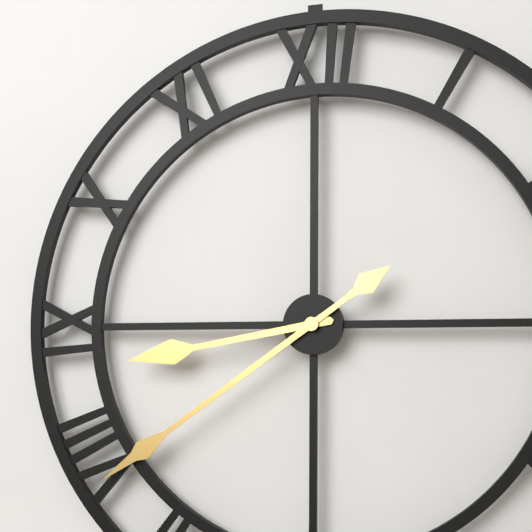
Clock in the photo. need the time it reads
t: 8:39
